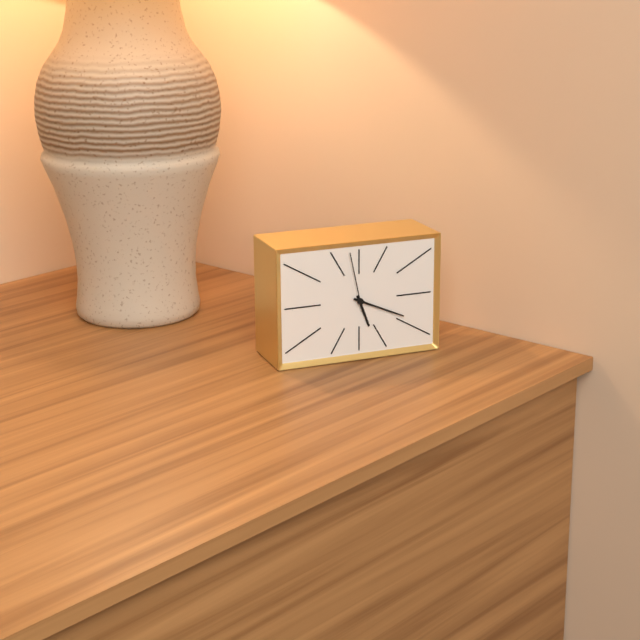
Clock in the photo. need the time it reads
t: 5:19:58
